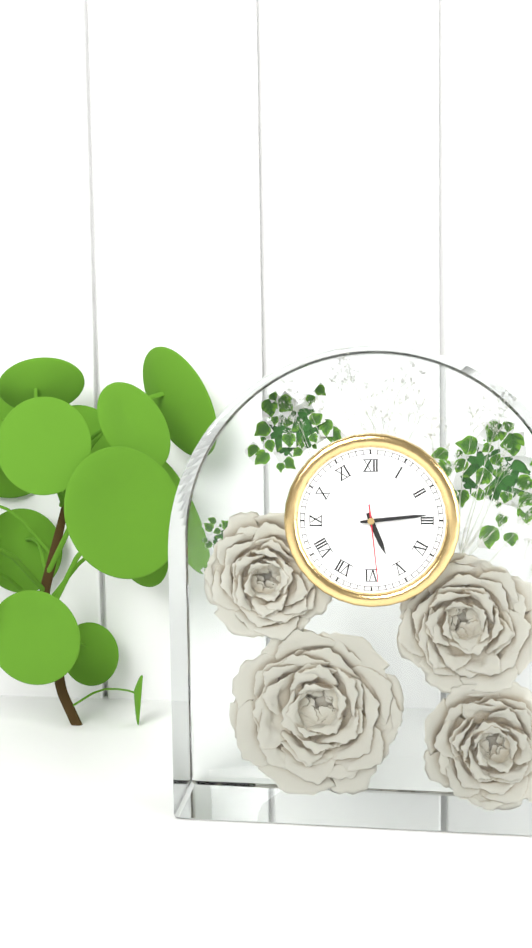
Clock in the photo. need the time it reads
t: 5:14:29
